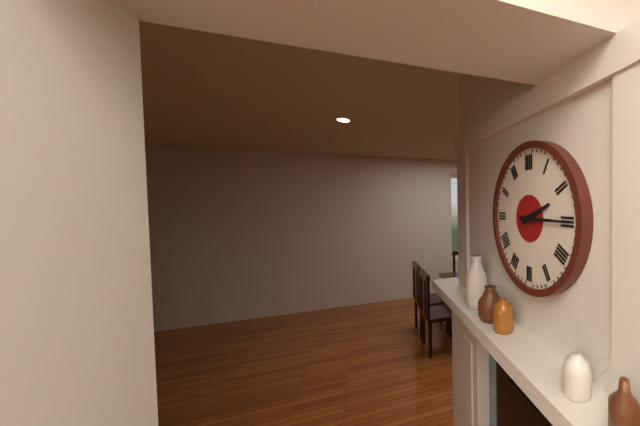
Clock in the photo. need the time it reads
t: 2:15
